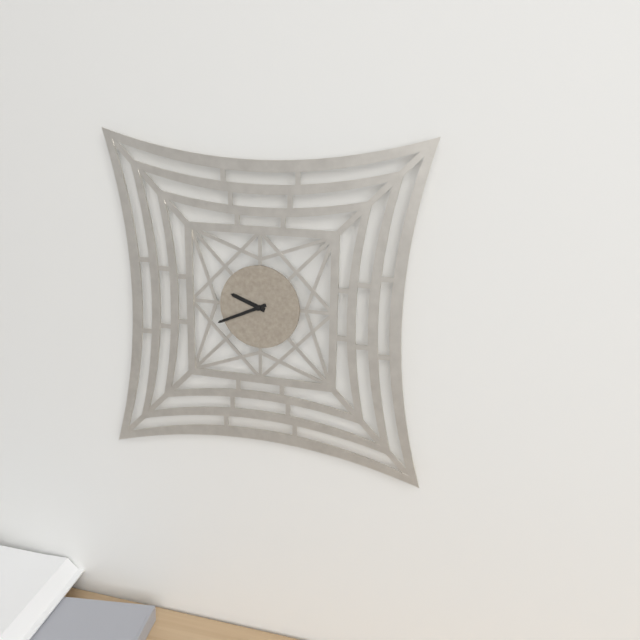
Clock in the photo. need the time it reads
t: 9:41
